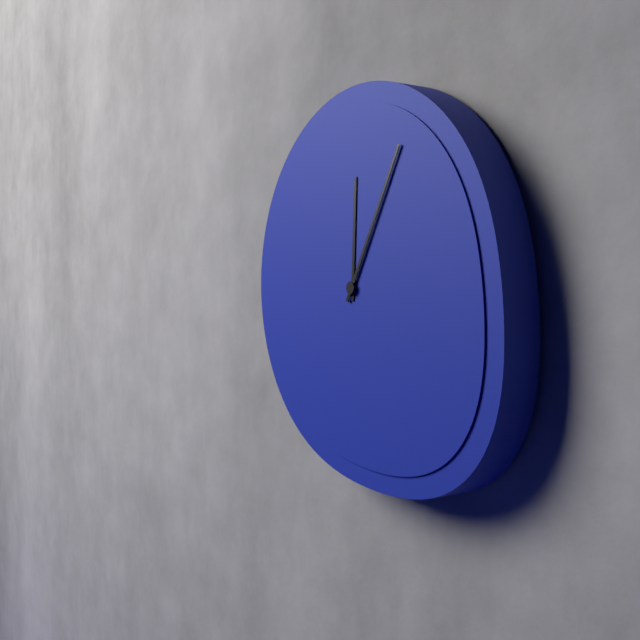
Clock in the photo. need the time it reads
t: 12:05
